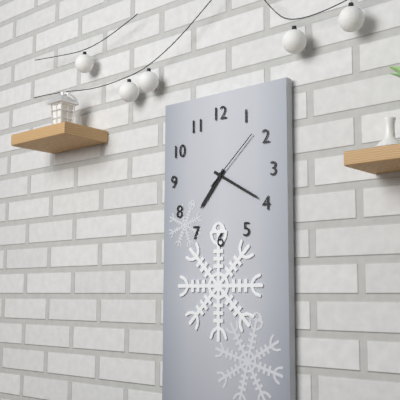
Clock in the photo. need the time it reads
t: 7:20:08
